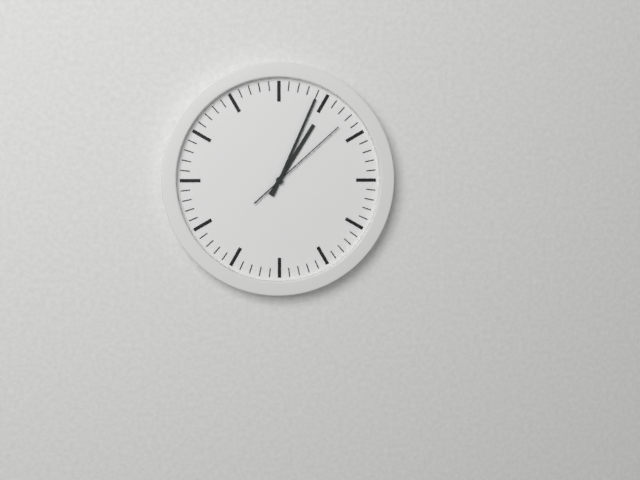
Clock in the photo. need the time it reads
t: 1:04:08
